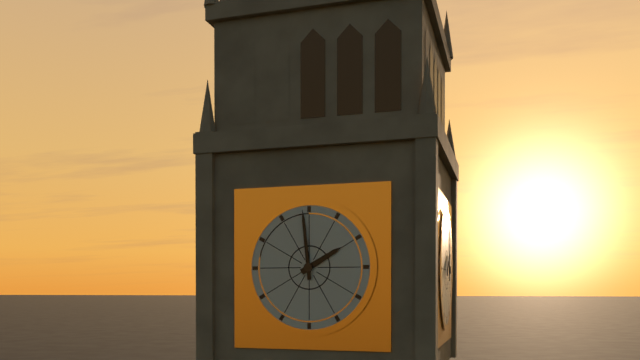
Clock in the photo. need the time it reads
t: 1:59
